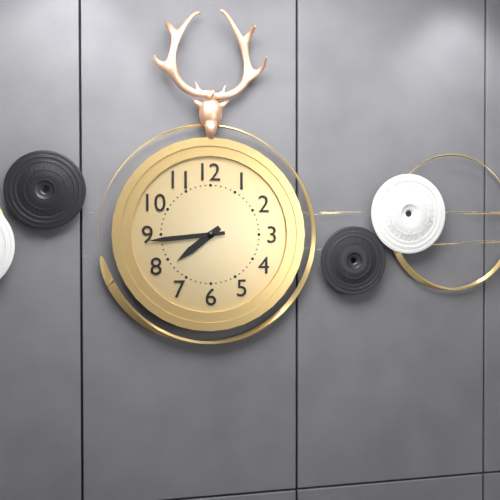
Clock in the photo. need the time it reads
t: 7:44
